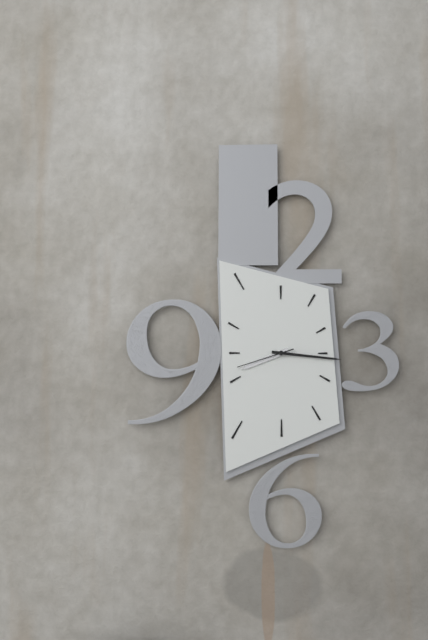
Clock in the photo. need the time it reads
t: 8:16:42
